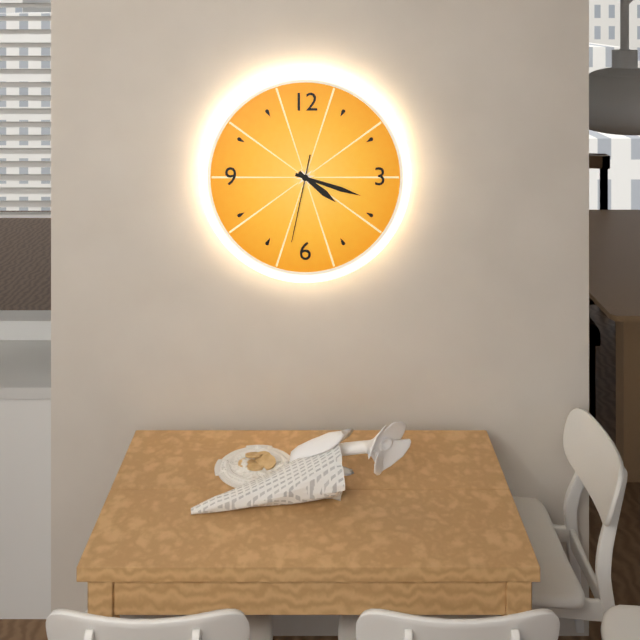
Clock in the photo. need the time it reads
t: 4:18:32
